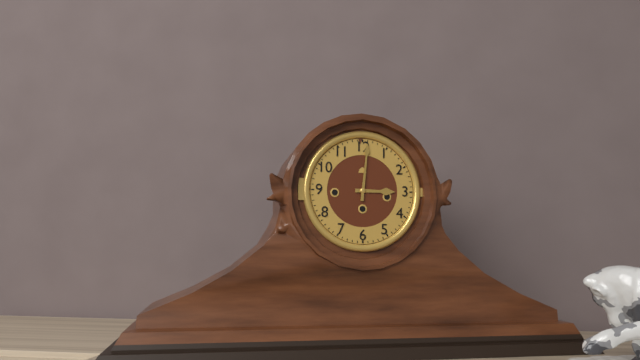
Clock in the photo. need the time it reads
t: 3:01
